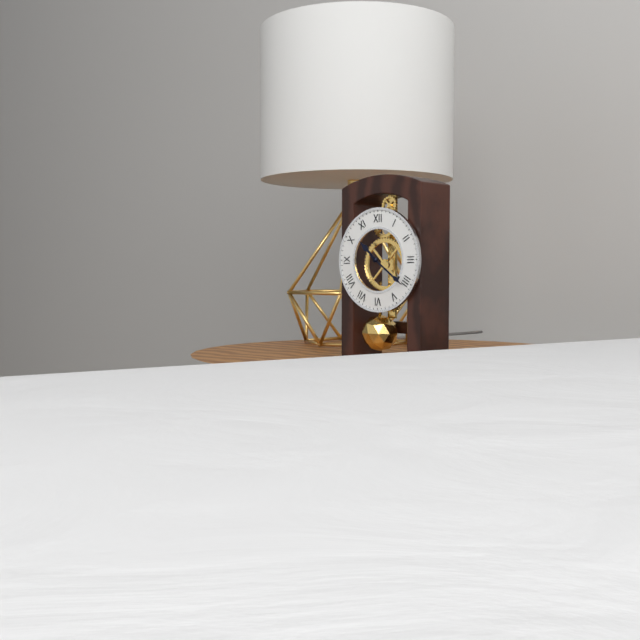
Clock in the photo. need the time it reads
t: 10:21
